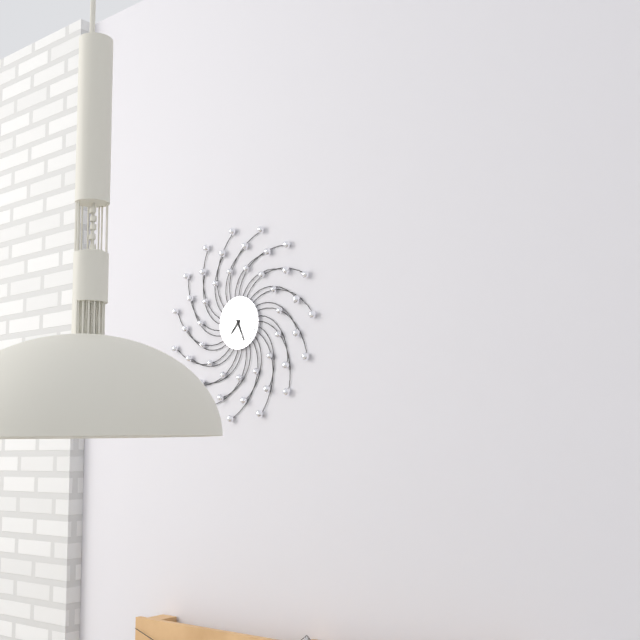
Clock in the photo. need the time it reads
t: 7:26
